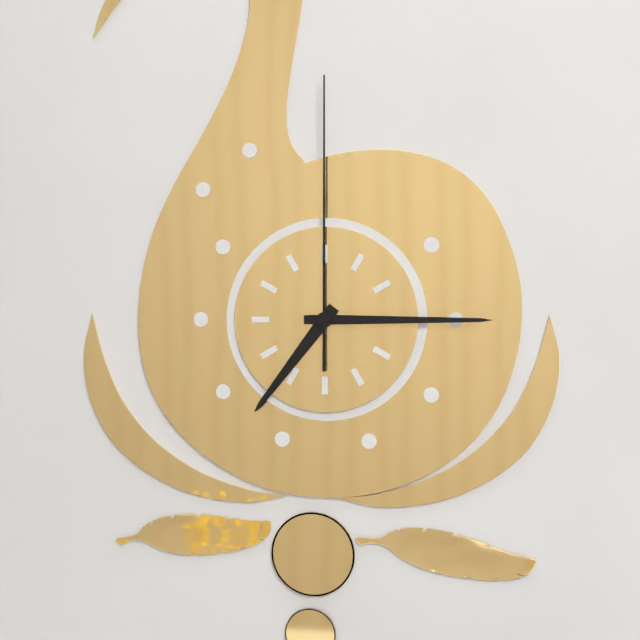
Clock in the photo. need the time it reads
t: 7:15:00
